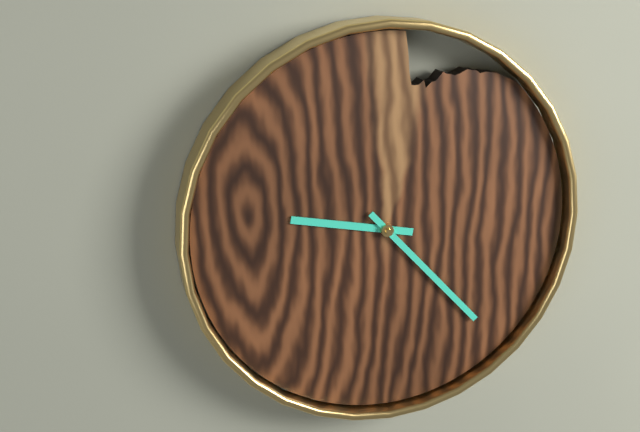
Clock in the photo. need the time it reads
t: 9:23
